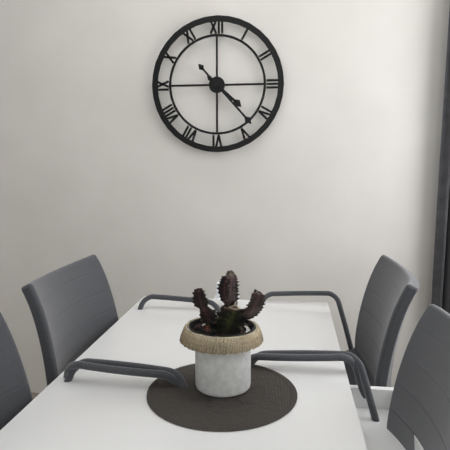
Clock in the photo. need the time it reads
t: 4:23
